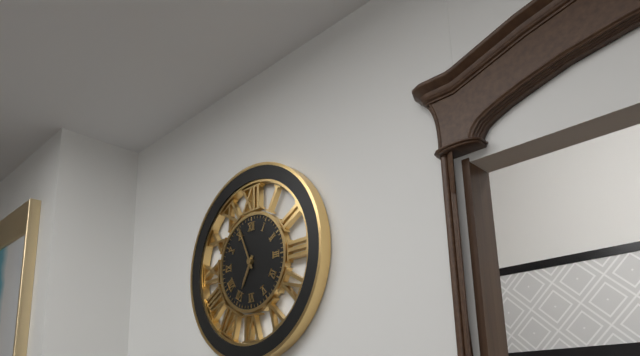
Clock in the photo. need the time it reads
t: 6:56
